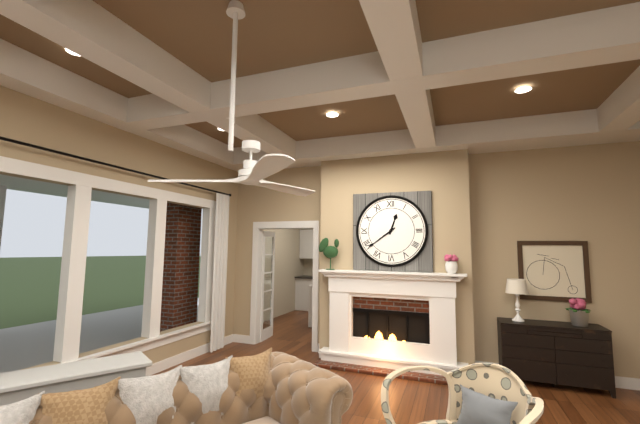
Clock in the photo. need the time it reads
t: 12:39
